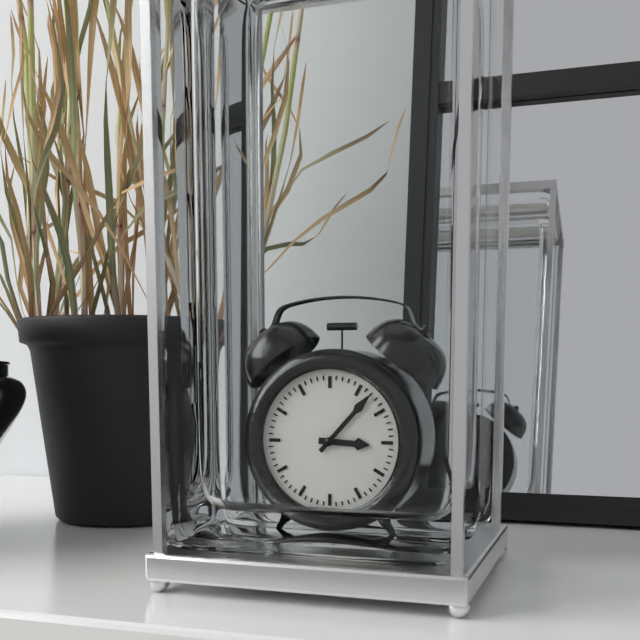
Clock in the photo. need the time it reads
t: 3:07
